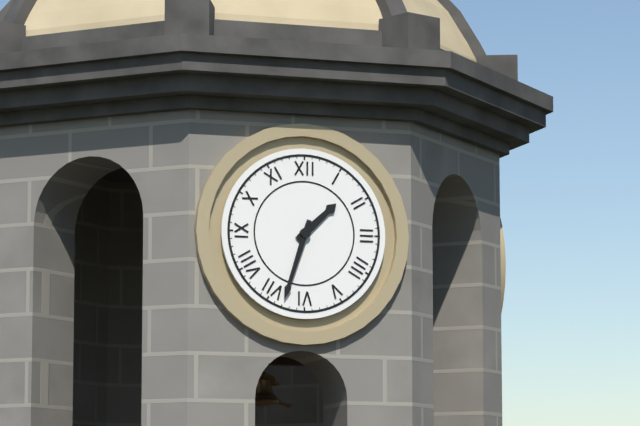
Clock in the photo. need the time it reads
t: 1:33
